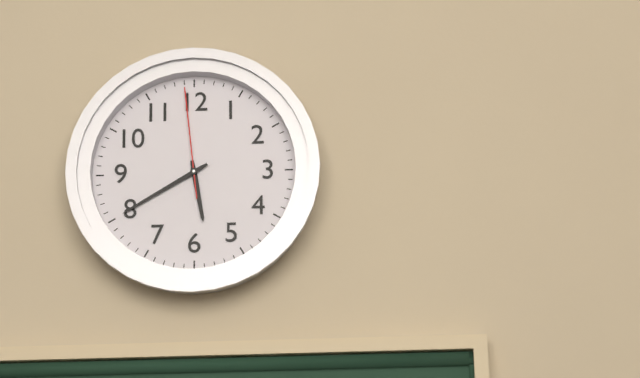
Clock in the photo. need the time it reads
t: 5:40:59
